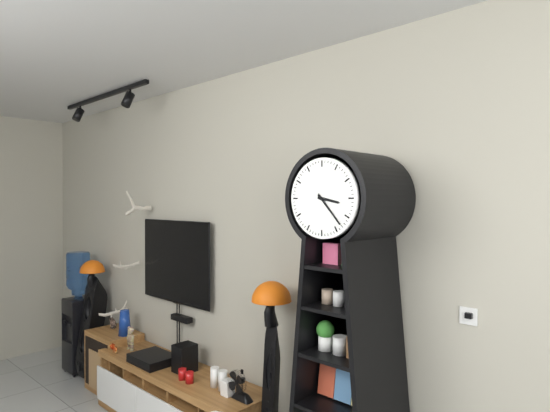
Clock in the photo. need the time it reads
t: 3:23
